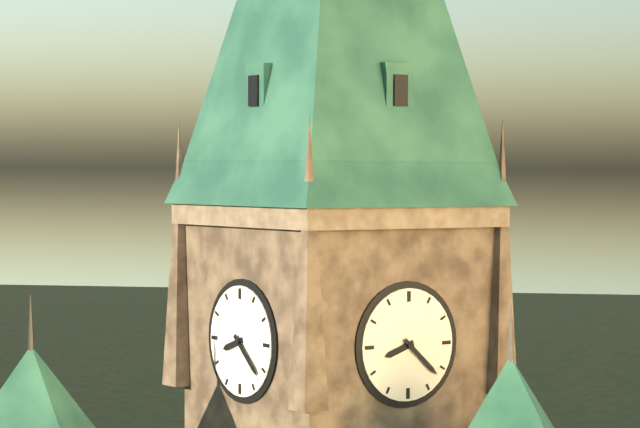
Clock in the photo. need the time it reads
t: 8:22
